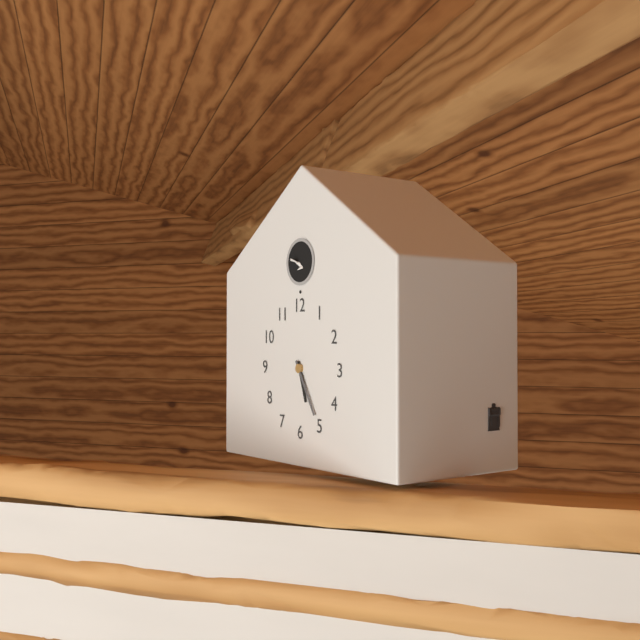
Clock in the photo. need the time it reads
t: 5:25
